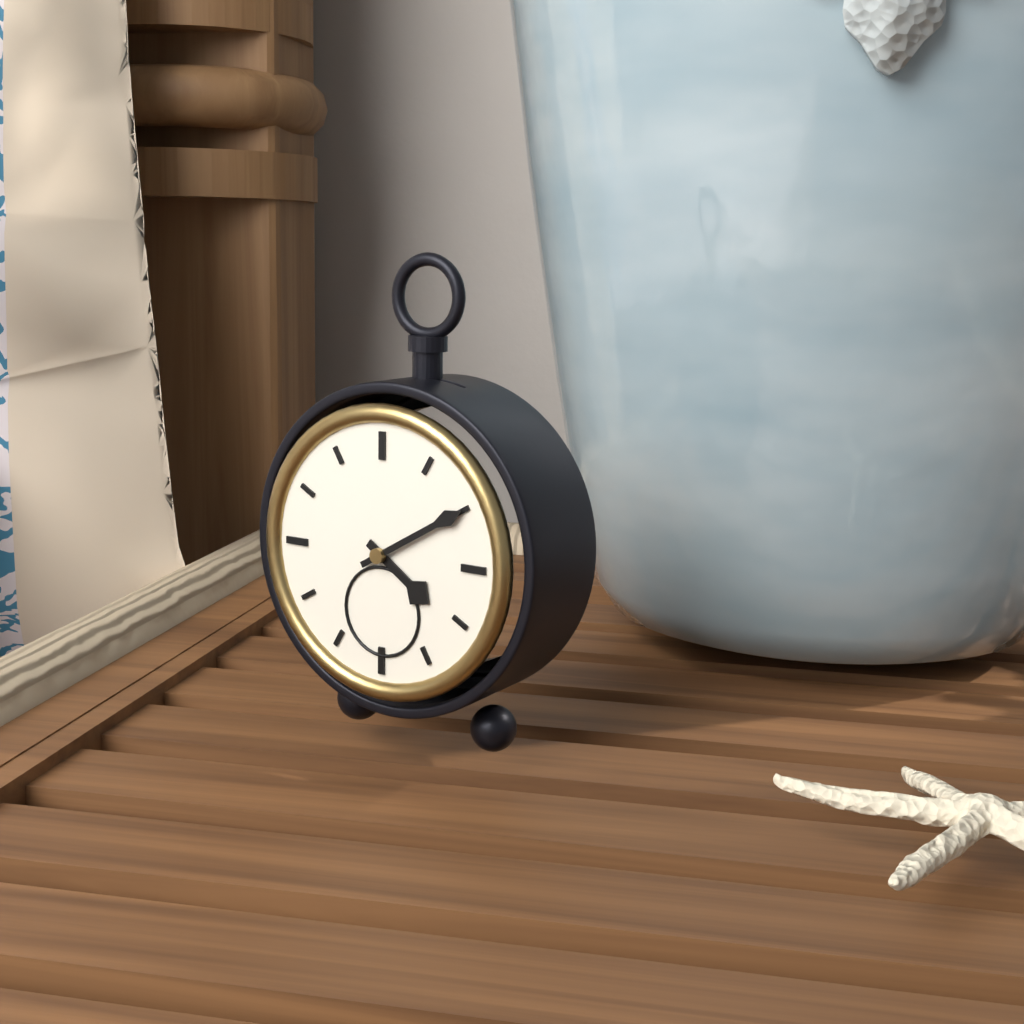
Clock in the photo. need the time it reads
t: 4:10
